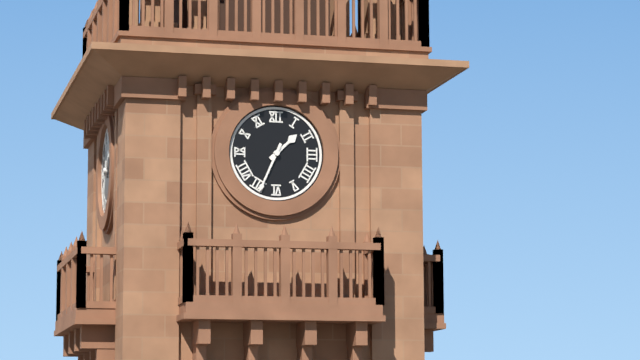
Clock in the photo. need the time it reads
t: 1:34
